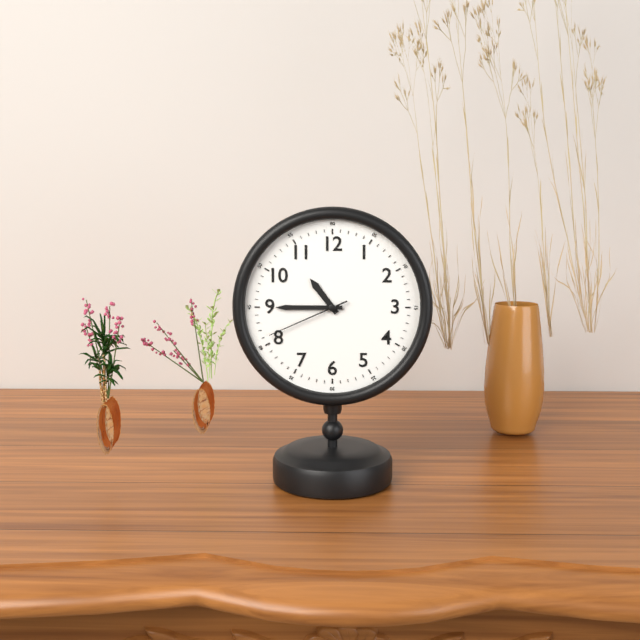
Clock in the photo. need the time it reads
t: 10:45:41
